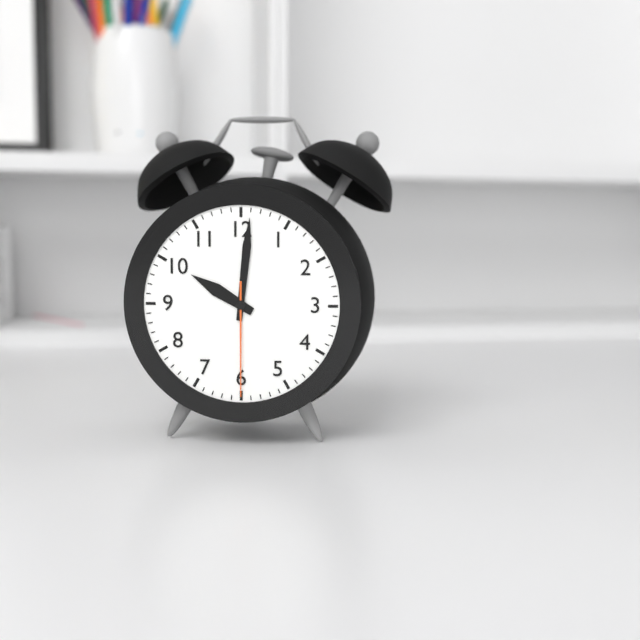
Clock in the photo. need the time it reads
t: 10:01:30
